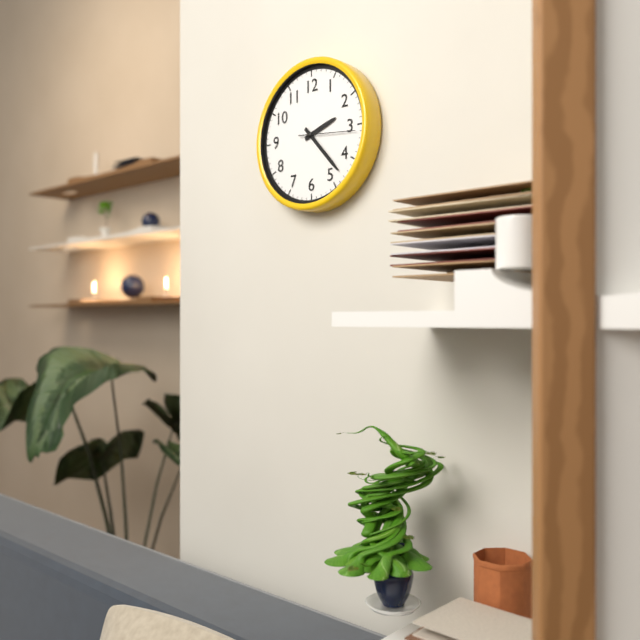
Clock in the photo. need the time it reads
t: 2:23
